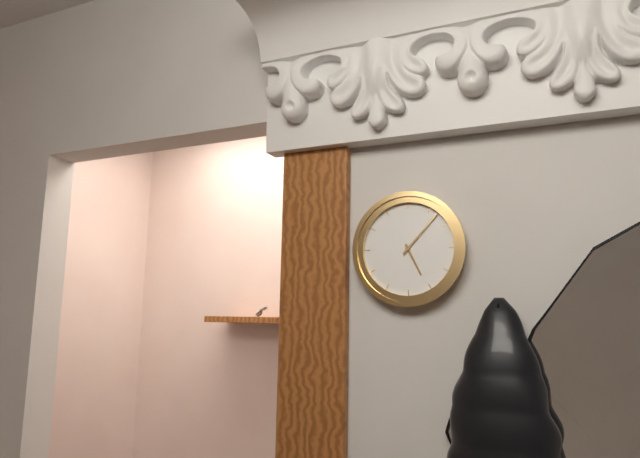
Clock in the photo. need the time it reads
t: 5:07
